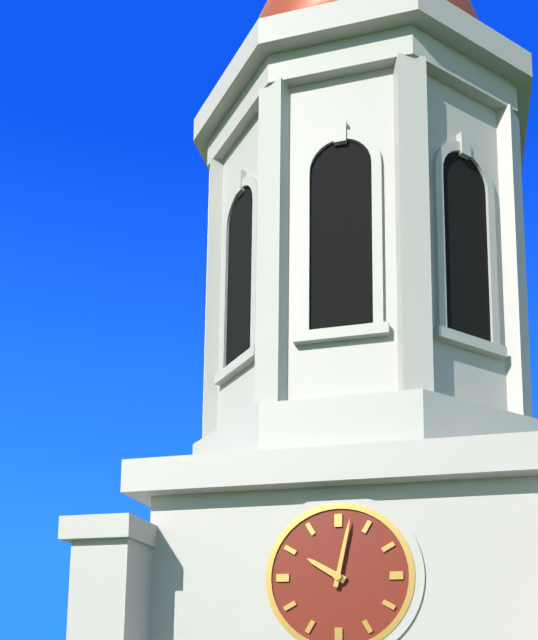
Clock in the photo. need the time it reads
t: 10:02
